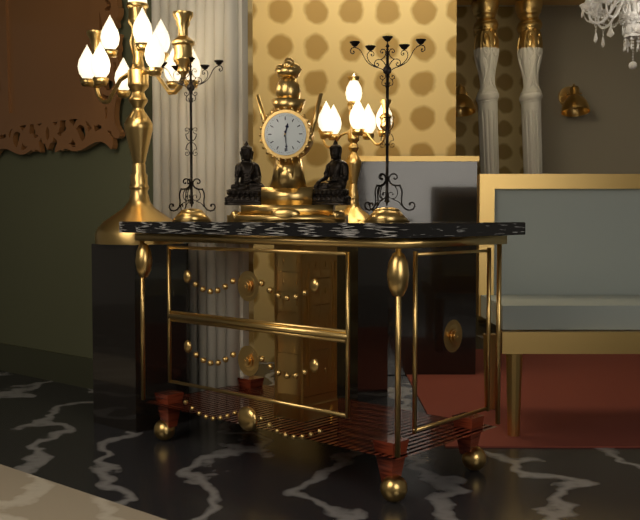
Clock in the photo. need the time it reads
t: 12:29
